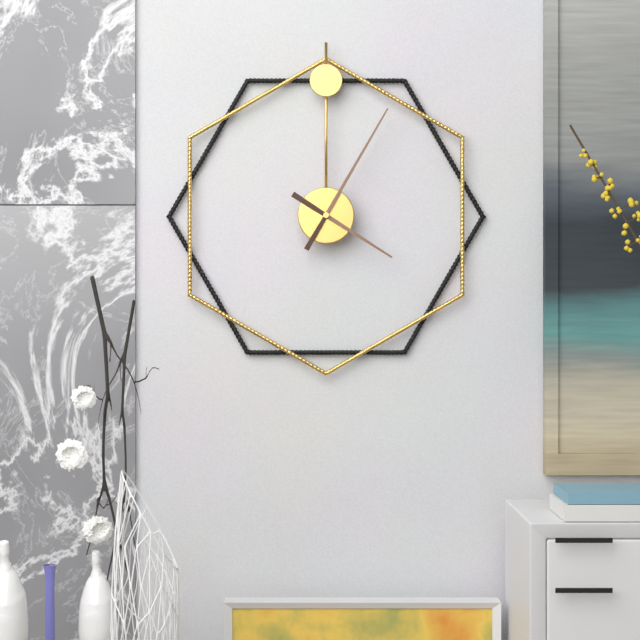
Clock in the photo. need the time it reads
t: 4:05
